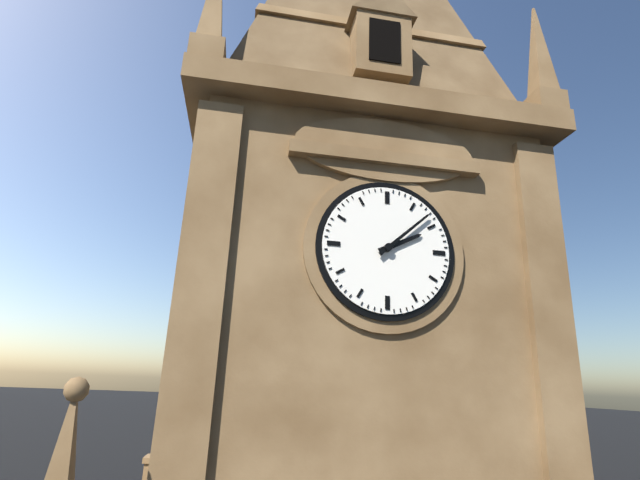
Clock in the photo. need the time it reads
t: 2:08
